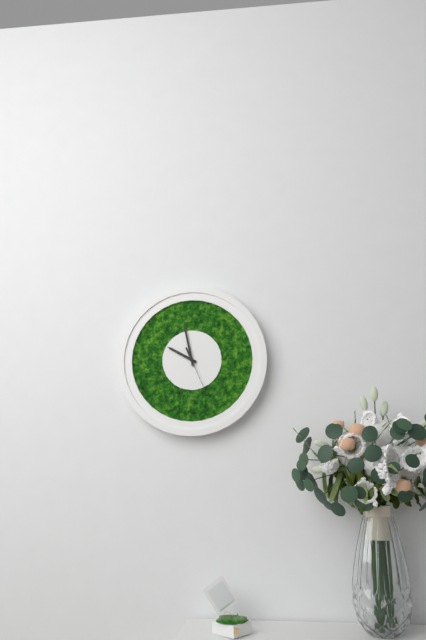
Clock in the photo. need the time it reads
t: 9:58
